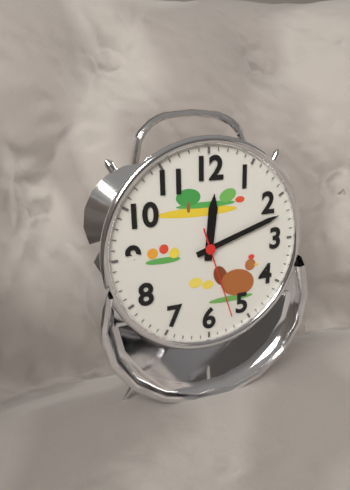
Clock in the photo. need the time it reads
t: 12:12:27
